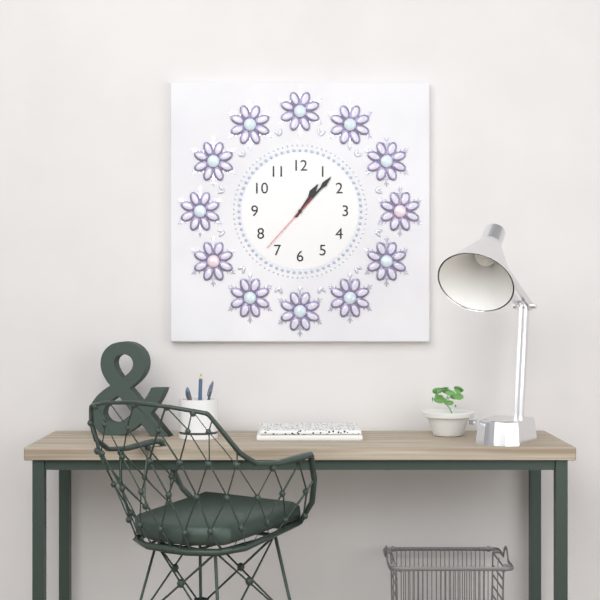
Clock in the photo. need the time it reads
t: 1:07:37
